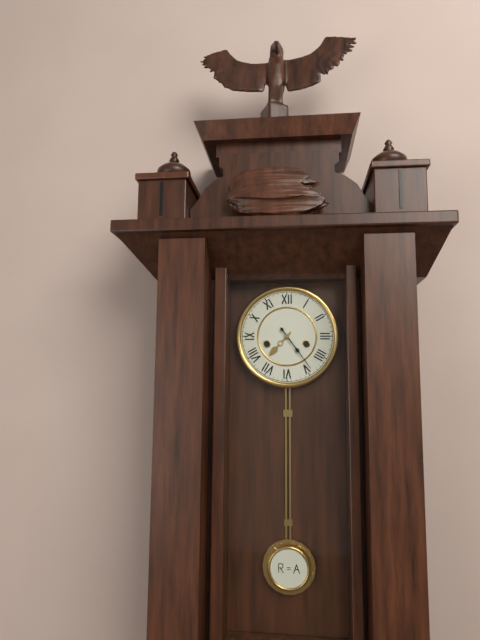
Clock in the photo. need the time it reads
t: 7:24
